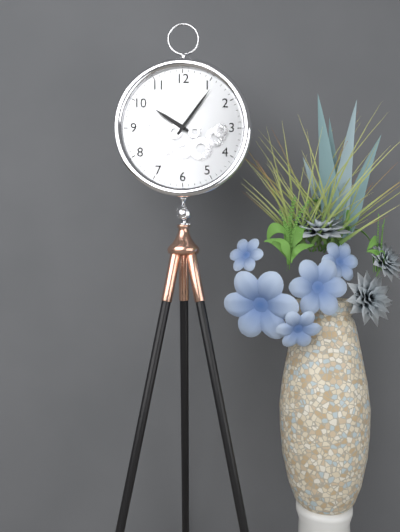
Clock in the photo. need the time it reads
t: 10:06
